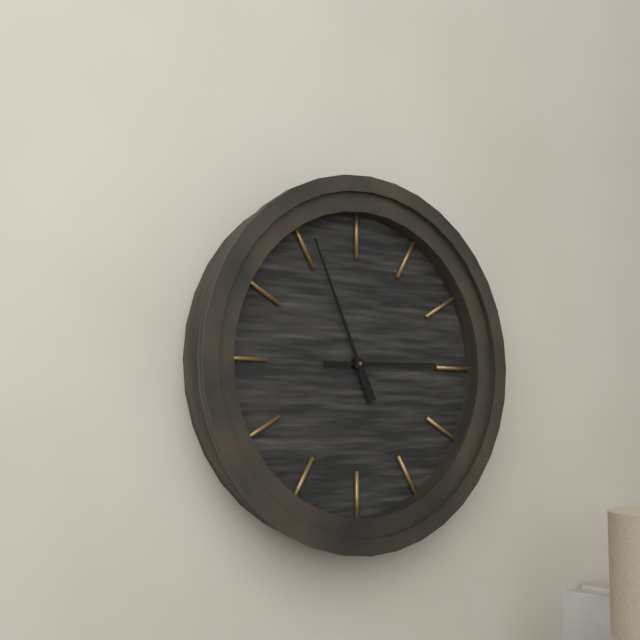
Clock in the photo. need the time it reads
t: 2:56
